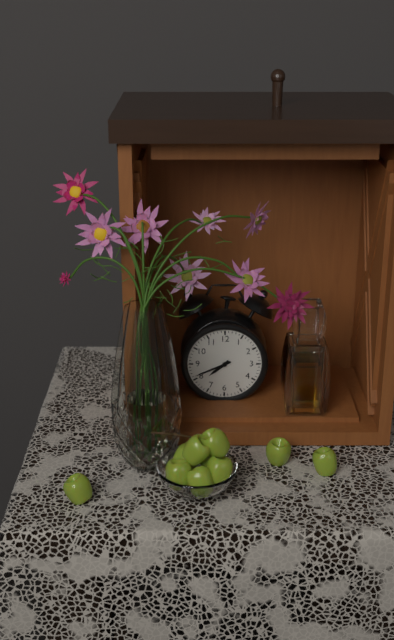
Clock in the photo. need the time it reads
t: 7:41
